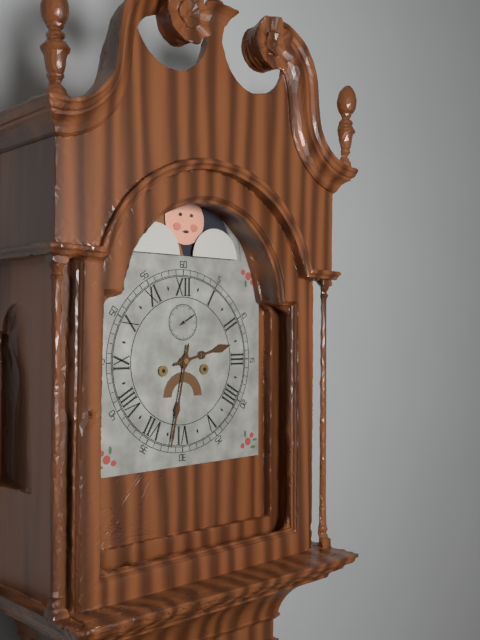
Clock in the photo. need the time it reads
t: 2:32
